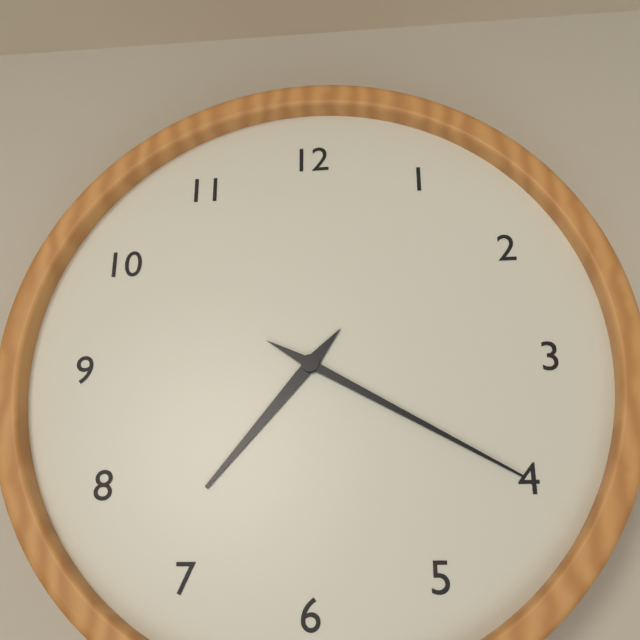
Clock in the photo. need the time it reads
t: 7:20
